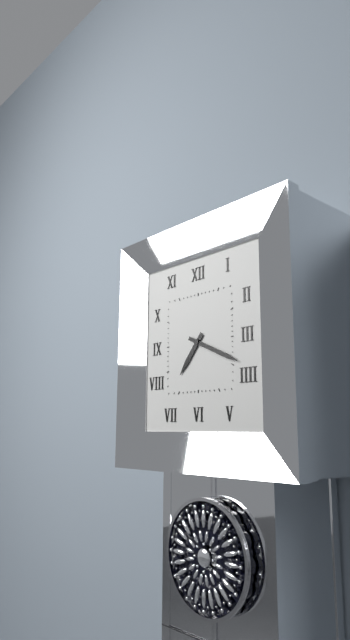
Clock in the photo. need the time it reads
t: 7:19
